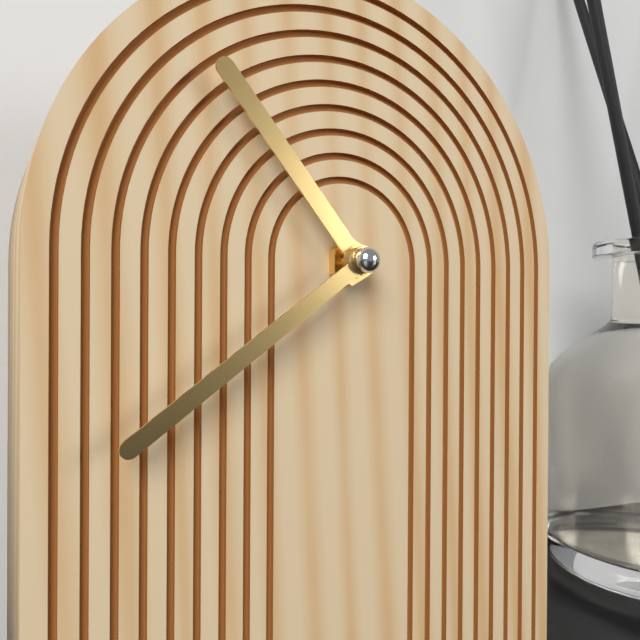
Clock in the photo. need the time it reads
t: 10:39
